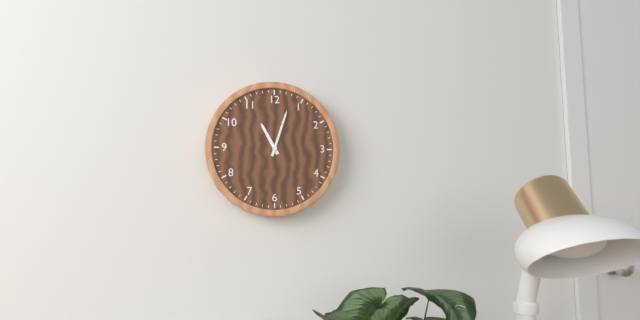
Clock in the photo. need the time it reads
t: 11:03
